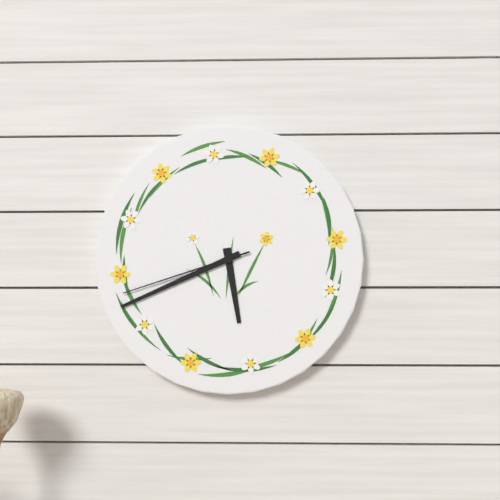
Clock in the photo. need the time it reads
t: 5:41:42
